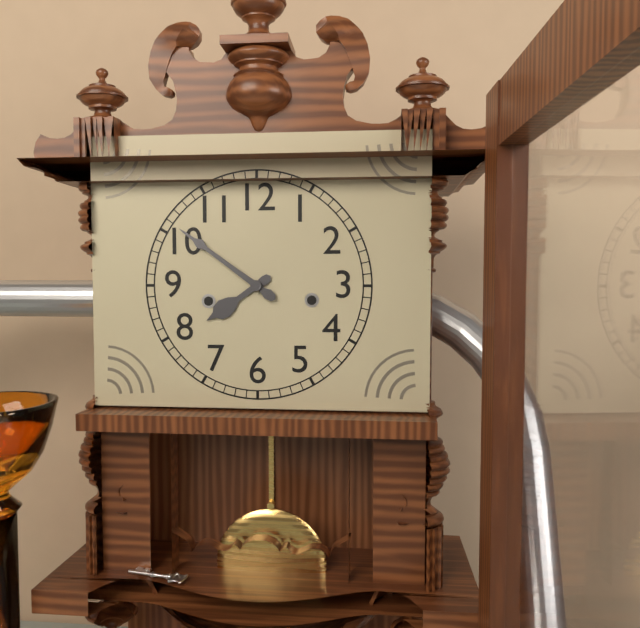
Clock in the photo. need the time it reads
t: 7:51
